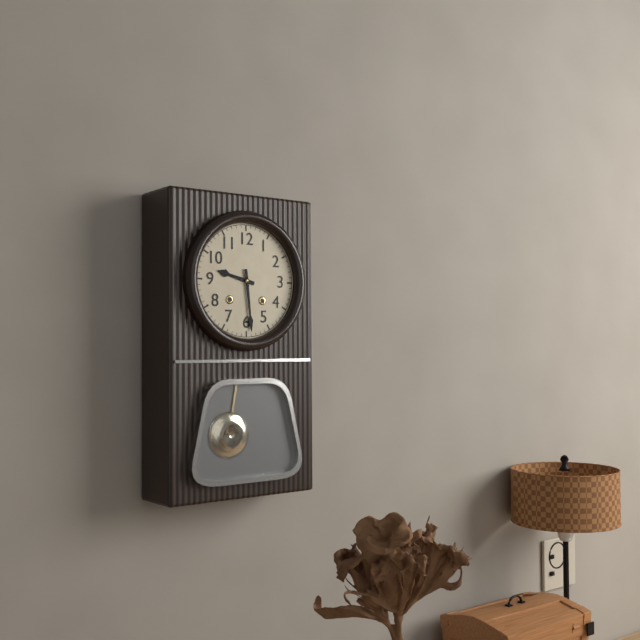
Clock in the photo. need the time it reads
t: 9:29
